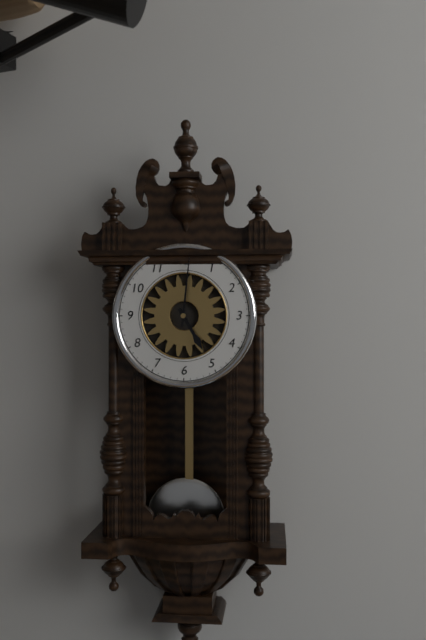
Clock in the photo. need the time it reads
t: 5:01
